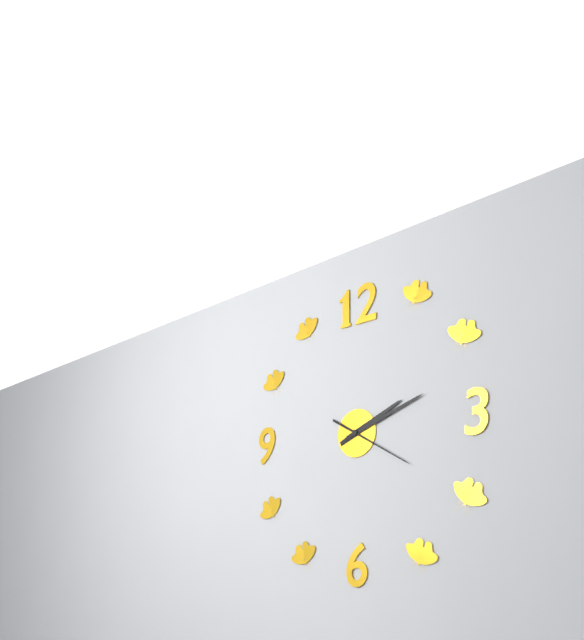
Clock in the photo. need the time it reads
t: 2:12:20
